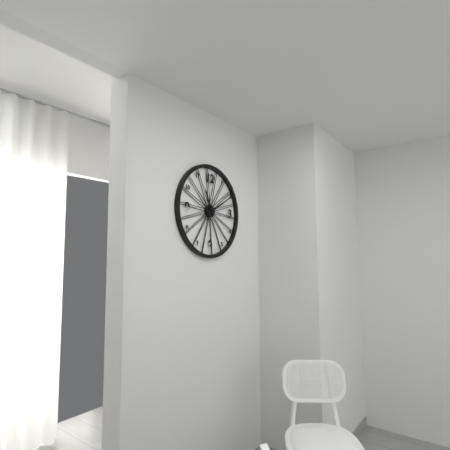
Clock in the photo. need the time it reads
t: 11:10
